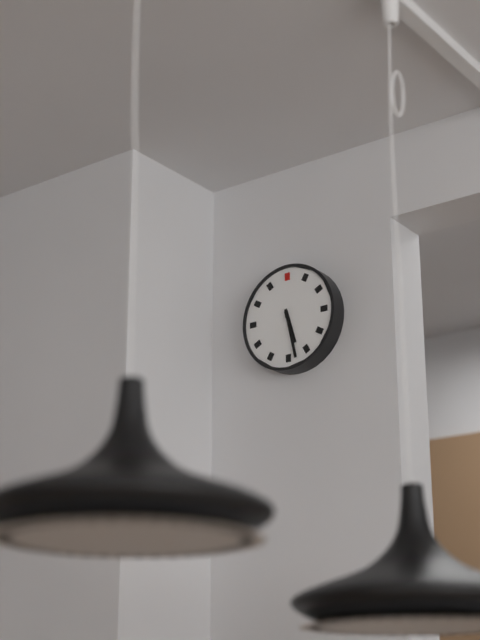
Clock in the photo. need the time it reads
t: 5:28
